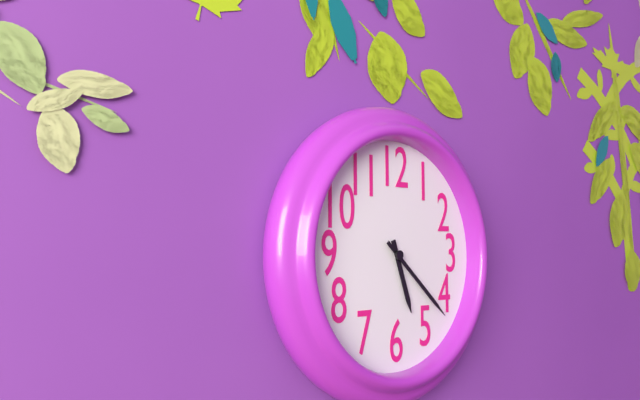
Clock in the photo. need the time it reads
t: 5:22
